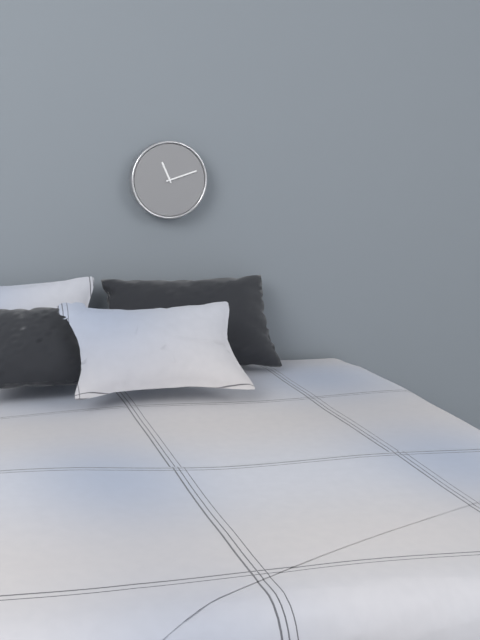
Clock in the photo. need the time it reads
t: 11:12
